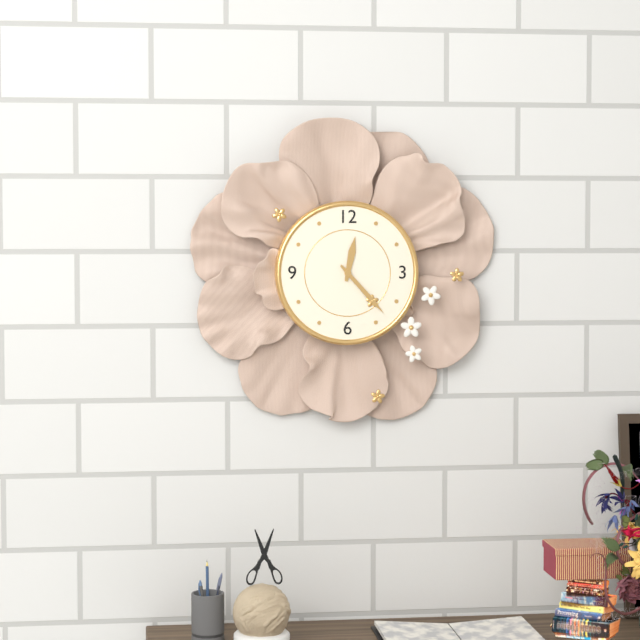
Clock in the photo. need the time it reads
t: 12:23
